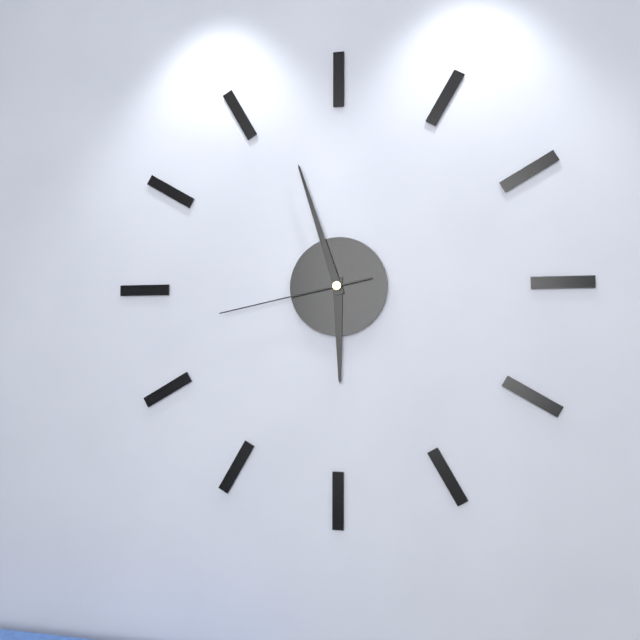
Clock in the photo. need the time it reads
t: 5:57:43
